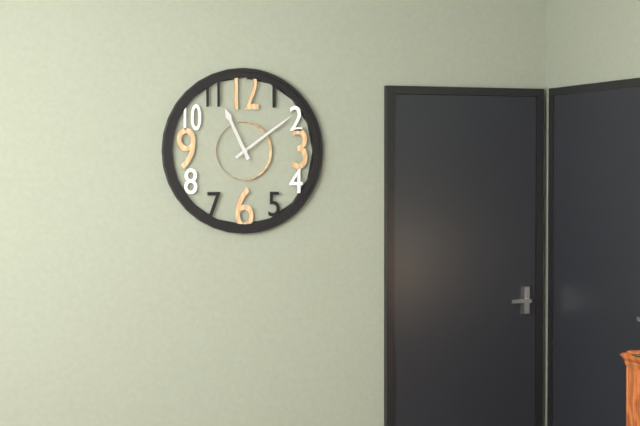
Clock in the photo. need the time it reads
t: 11:09
